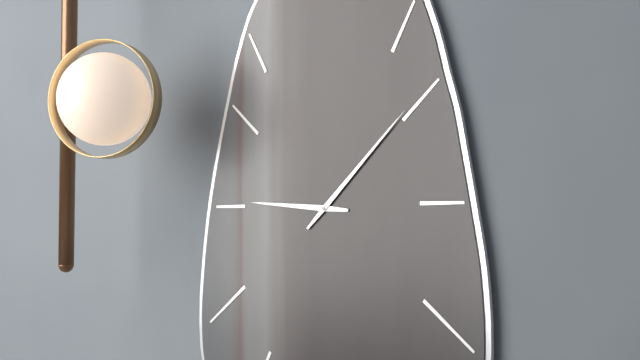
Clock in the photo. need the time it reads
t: 9:08
